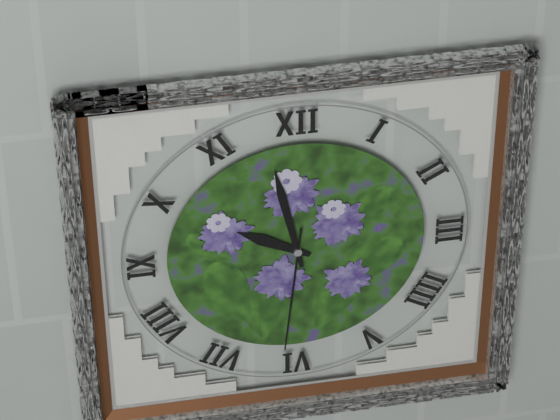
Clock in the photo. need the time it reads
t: 9:58:31
